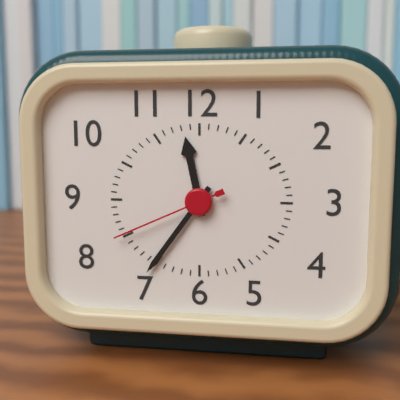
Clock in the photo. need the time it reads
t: 11:36:41
